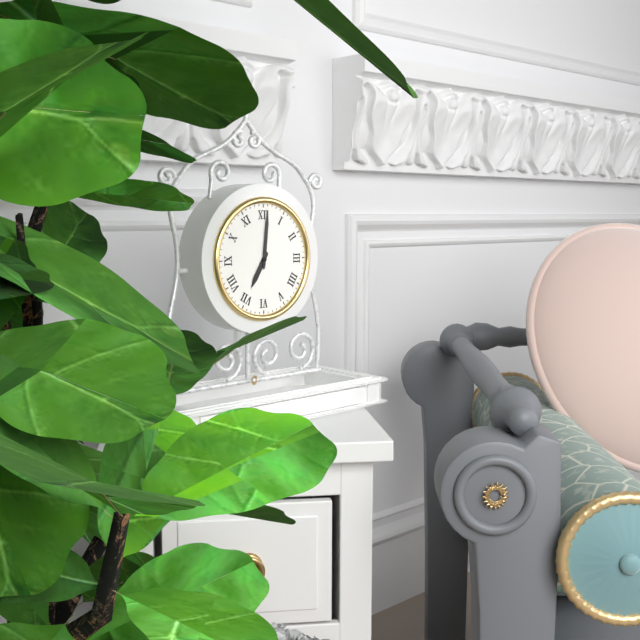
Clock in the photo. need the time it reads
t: 7:01
